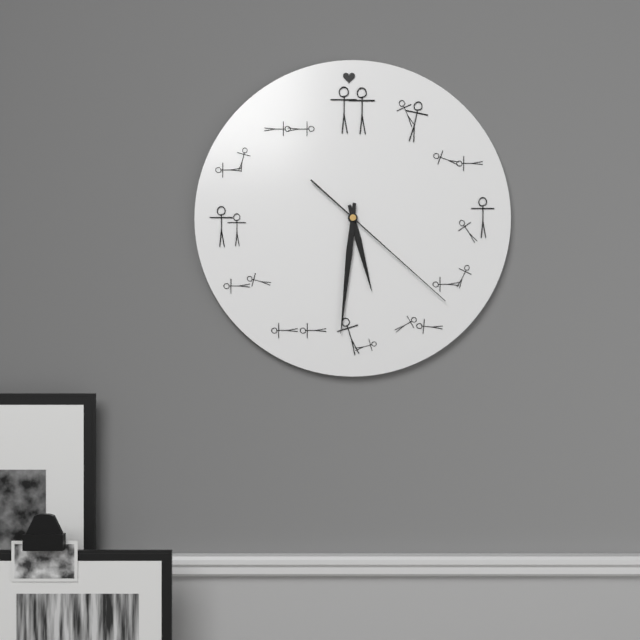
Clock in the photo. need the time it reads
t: 5:31:22
